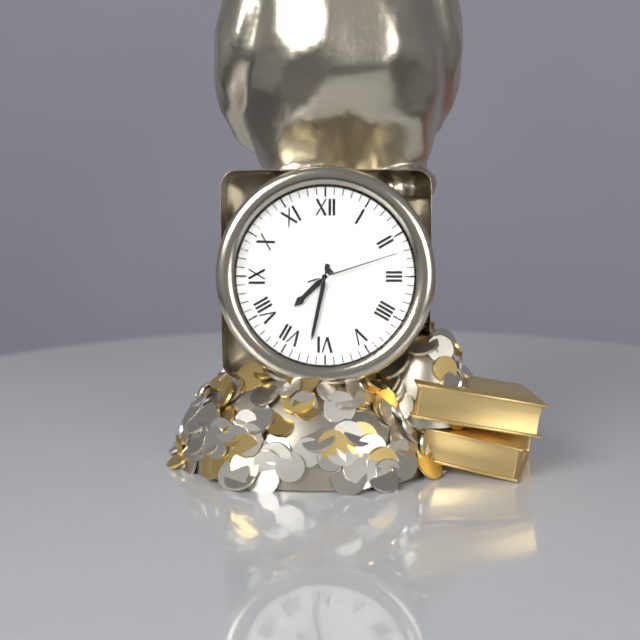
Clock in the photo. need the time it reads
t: 7:32:12
